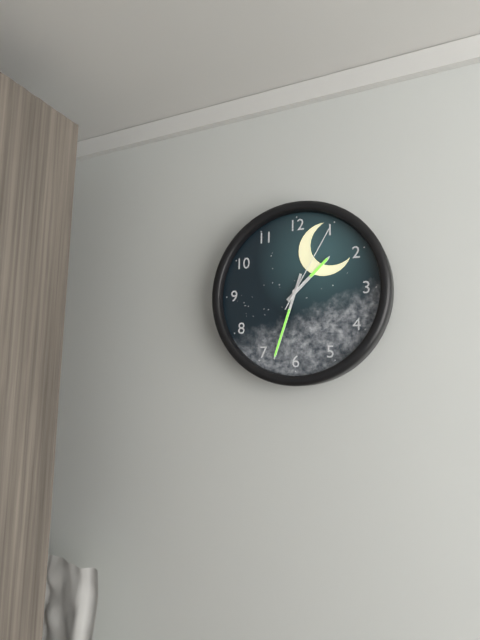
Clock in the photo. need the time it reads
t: 1:33:05
